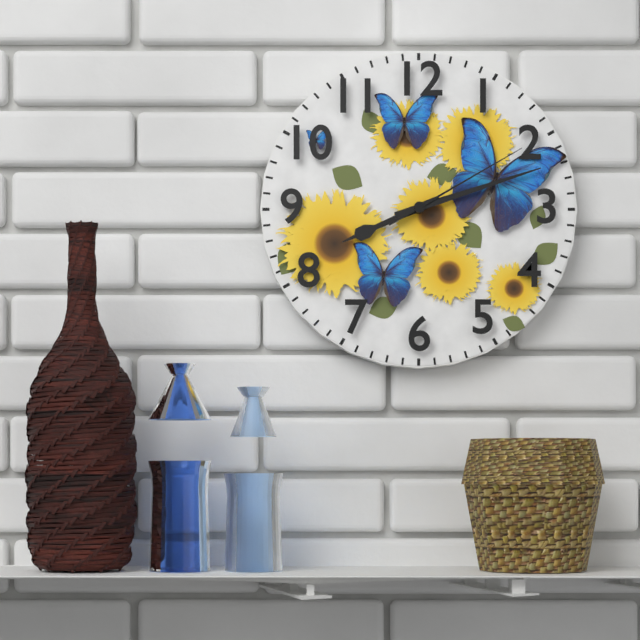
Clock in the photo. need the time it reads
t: 8:12:10
